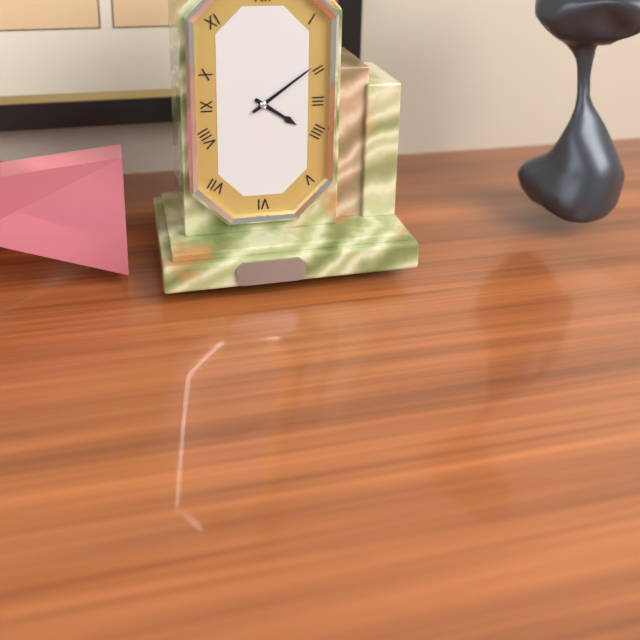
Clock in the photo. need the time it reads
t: 4:09
